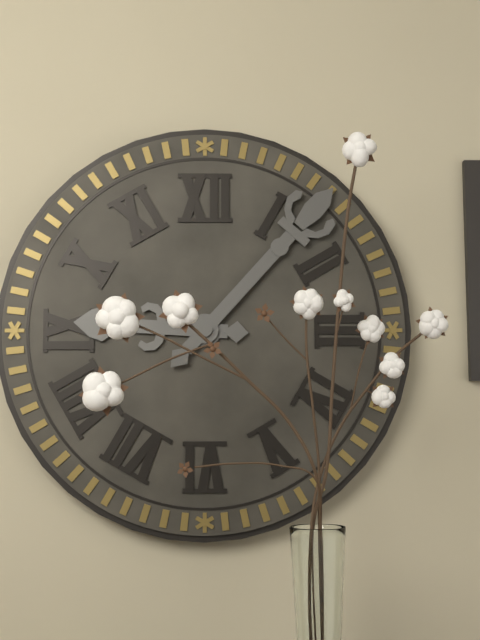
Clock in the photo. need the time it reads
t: 9:07
